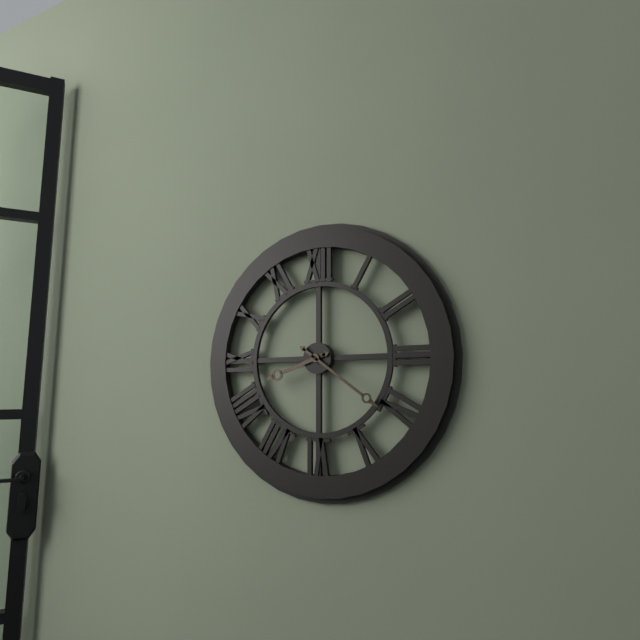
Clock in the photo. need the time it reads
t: 8:21
